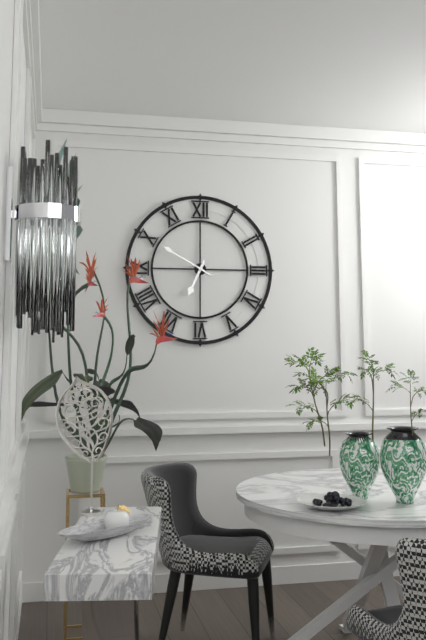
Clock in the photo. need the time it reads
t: 6:50
